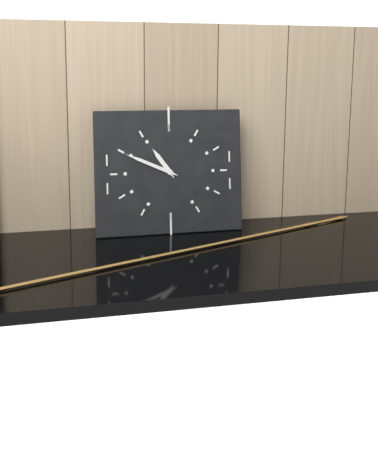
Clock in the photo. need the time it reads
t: 10:49
